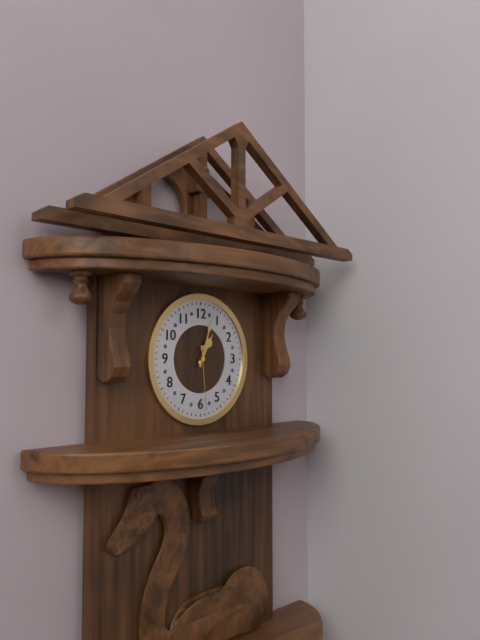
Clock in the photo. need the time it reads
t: 1:03:29
